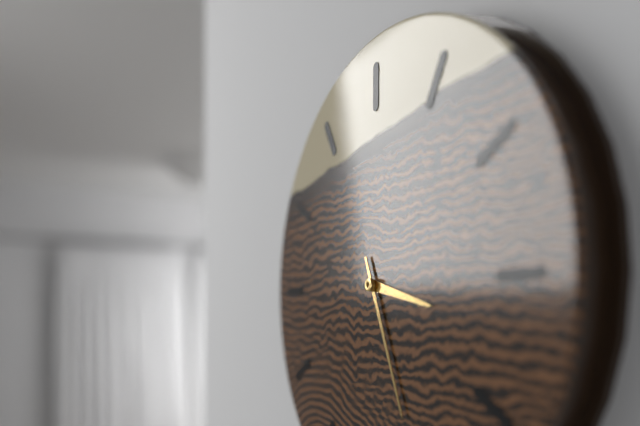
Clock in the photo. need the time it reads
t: 3:26
